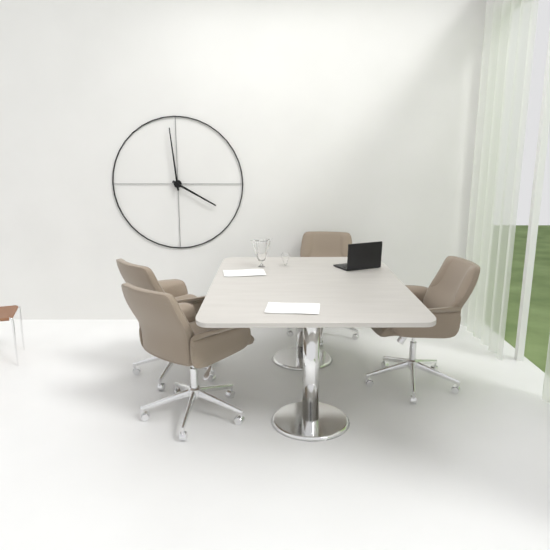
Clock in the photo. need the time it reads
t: 3:59
